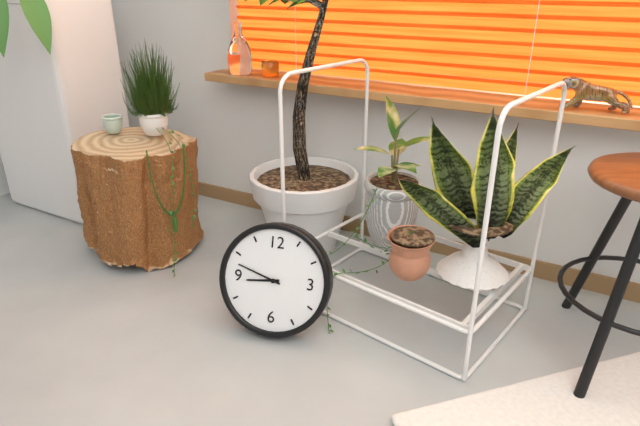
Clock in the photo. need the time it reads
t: 8:48
